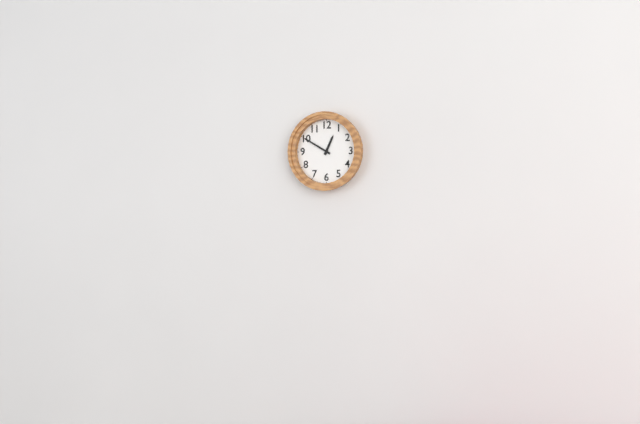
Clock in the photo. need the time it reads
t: 12:50
